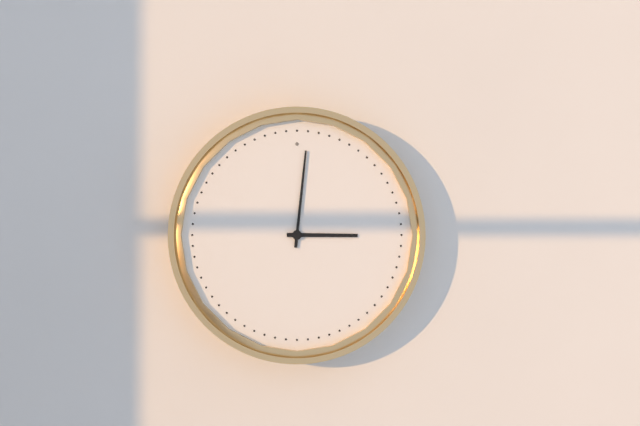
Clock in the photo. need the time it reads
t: 3:01
